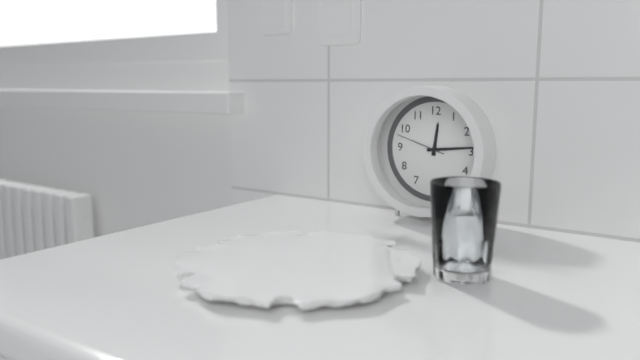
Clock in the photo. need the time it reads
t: 12:14
